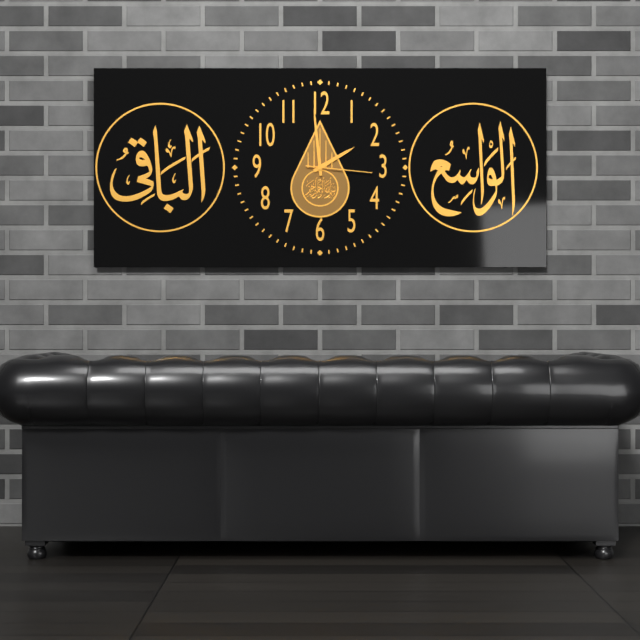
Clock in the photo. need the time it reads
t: 1:59:16
